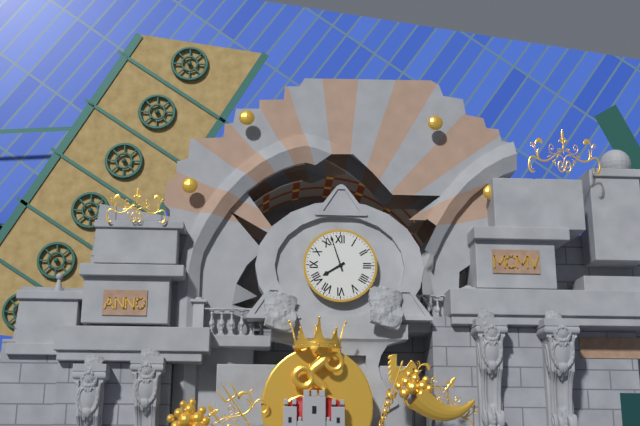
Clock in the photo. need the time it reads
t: 7:57
